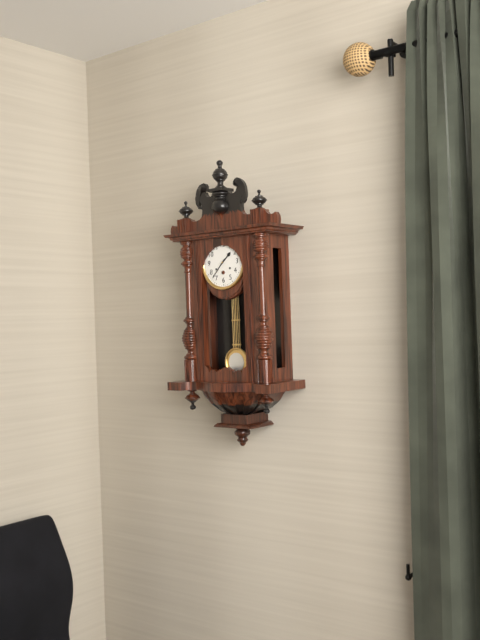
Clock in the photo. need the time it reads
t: 1:37
